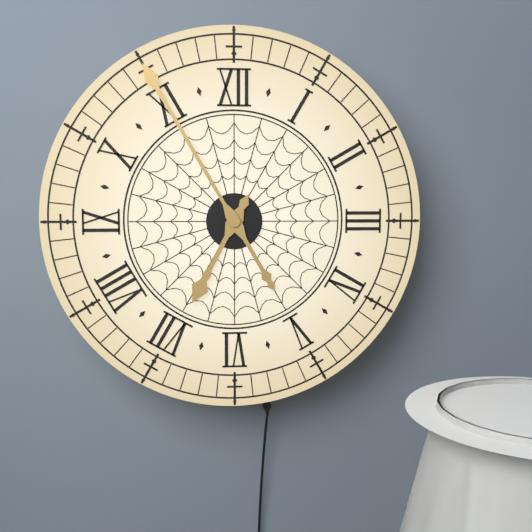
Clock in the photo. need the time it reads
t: 6:55
